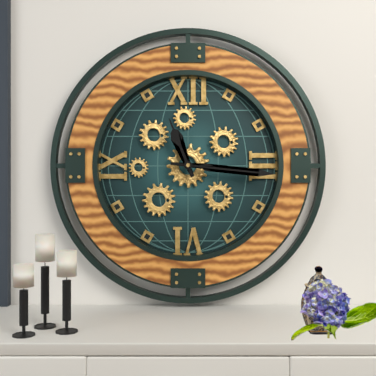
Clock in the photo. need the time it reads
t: 11:16
